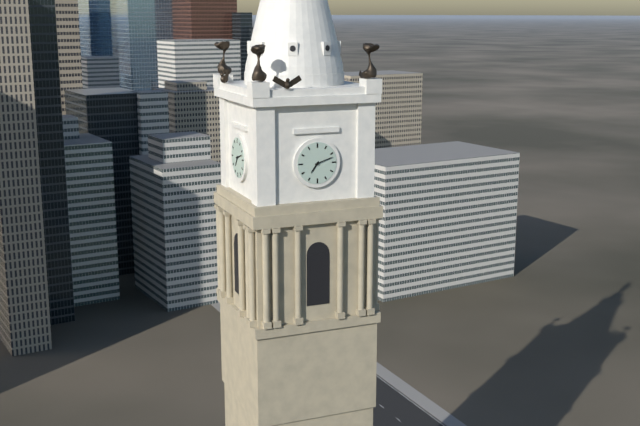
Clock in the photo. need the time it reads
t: 7:12
